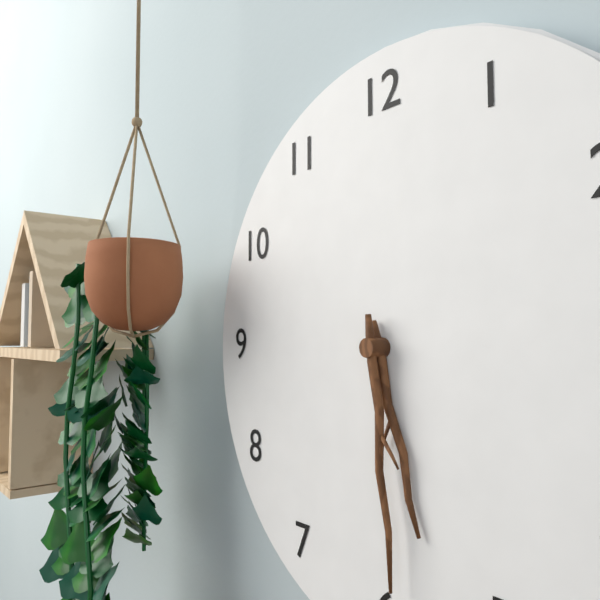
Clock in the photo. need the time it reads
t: 5:29
